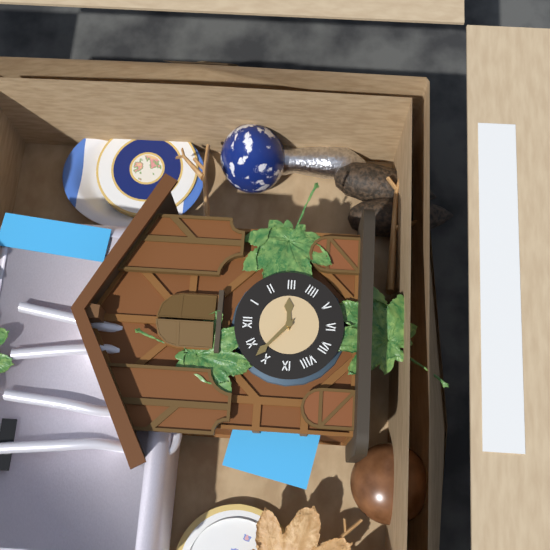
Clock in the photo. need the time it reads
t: 2:52
